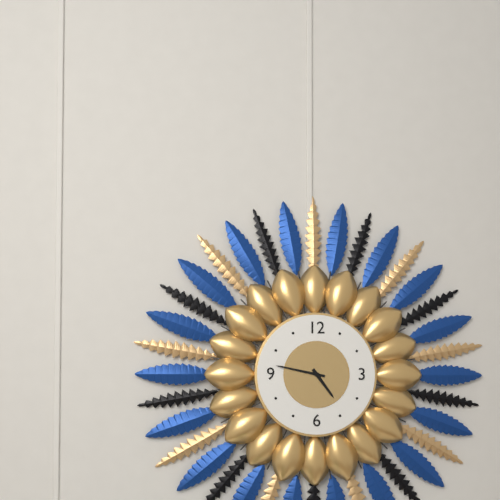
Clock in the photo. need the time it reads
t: 4:47
